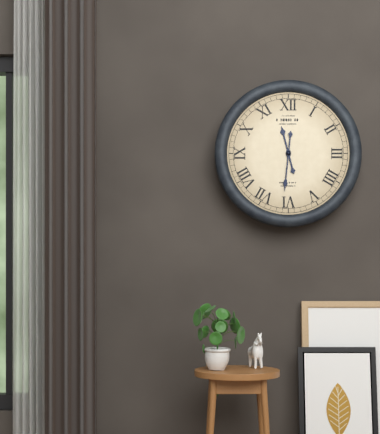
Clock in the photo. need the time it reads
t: 11:31
